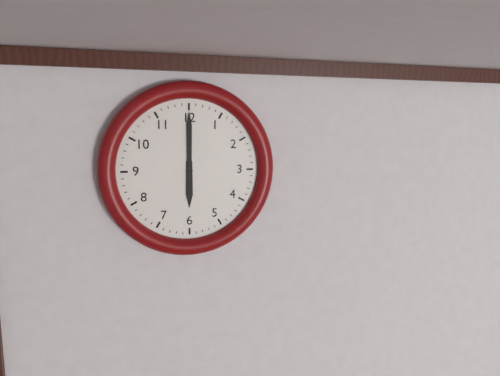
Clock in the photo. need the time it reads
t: 6:00
